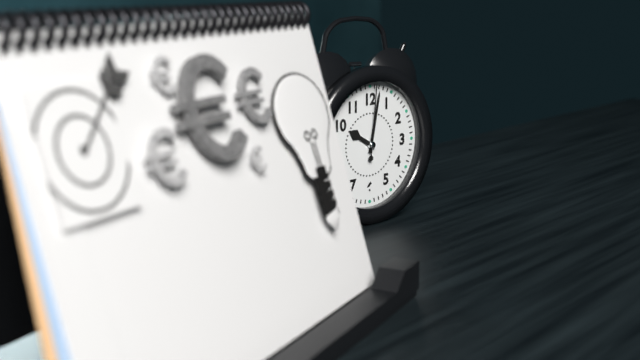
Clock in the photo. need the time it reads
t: 10:02:01
